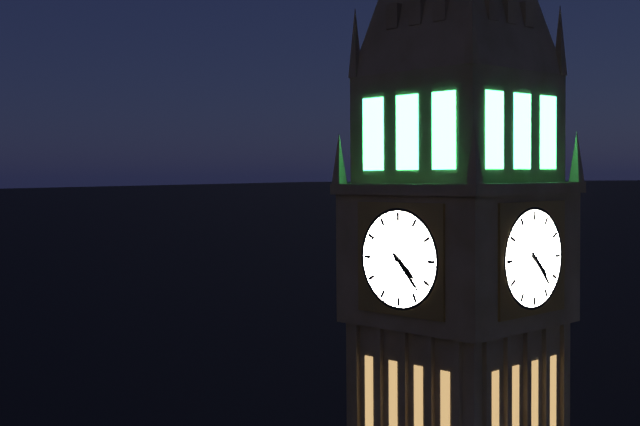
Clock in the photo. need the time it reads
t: 4:23
